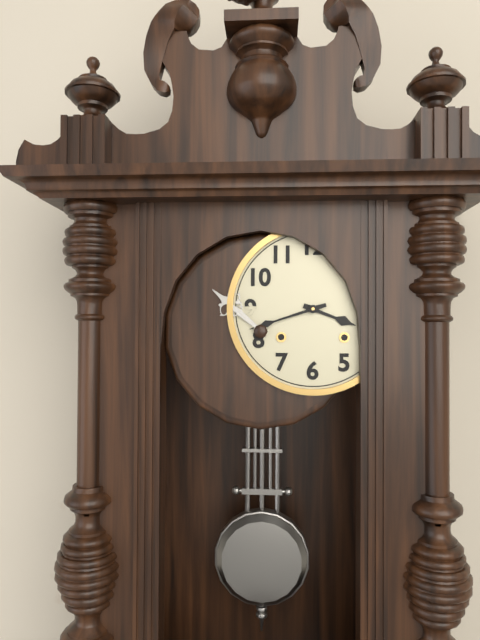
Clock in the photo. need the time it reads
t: 3:42
